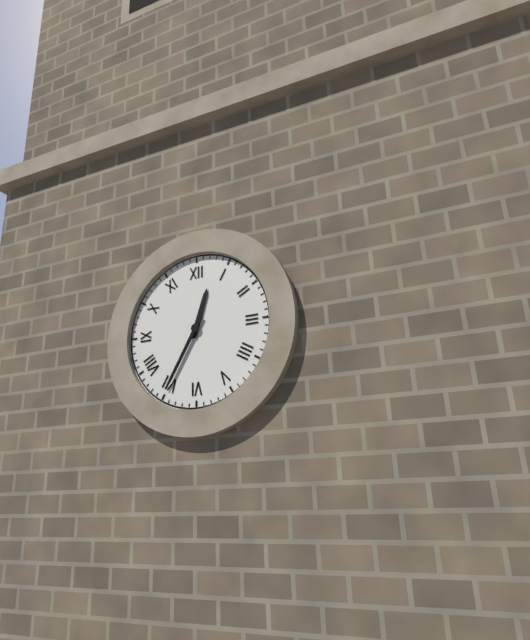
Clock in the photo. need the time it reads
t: 12:35
